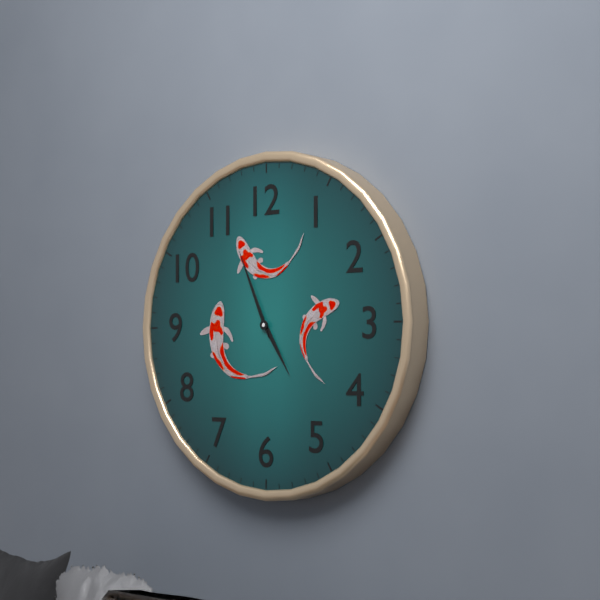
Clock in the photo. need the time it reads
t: 4:56
